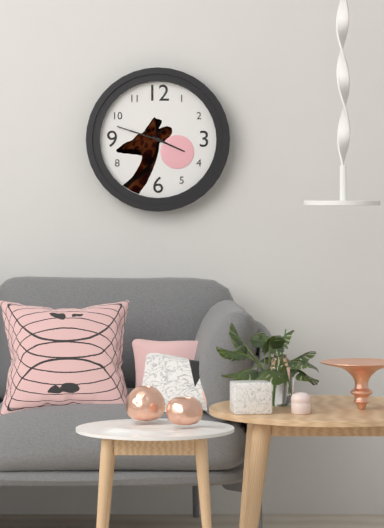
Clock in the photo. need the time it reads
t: 3:48
